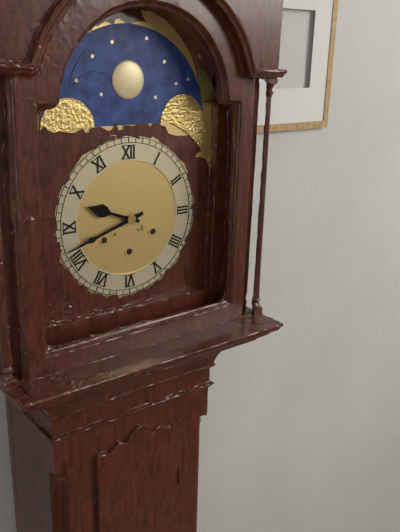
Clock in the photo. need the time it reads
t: 9:42
